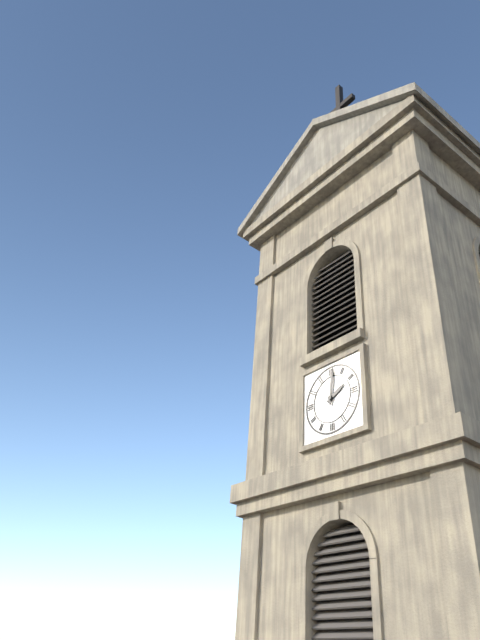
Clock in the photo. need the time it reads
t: 2:01
